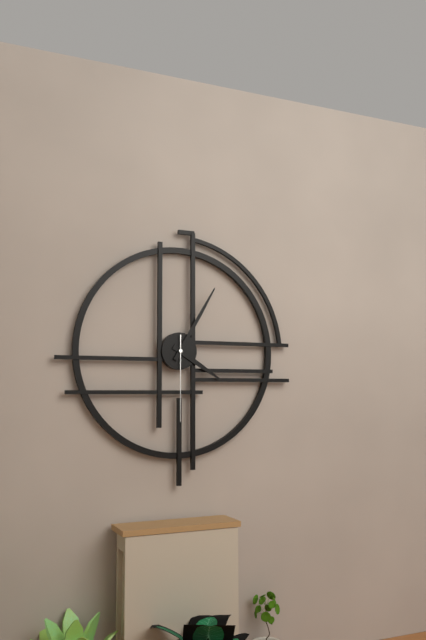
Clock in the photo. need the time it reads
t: 4:05:30
